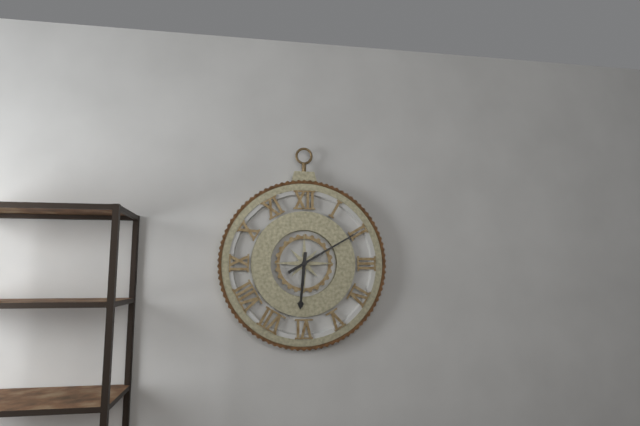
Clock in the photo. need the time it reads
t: 6:10
